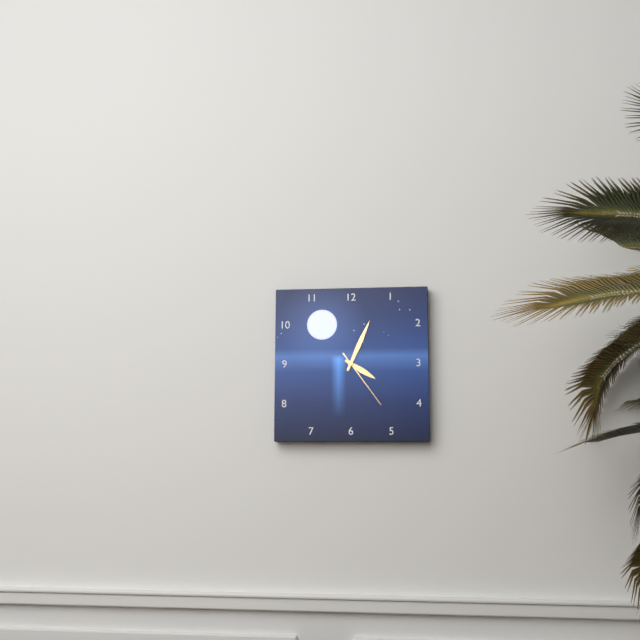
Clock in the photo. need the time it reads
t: 4:04:24
